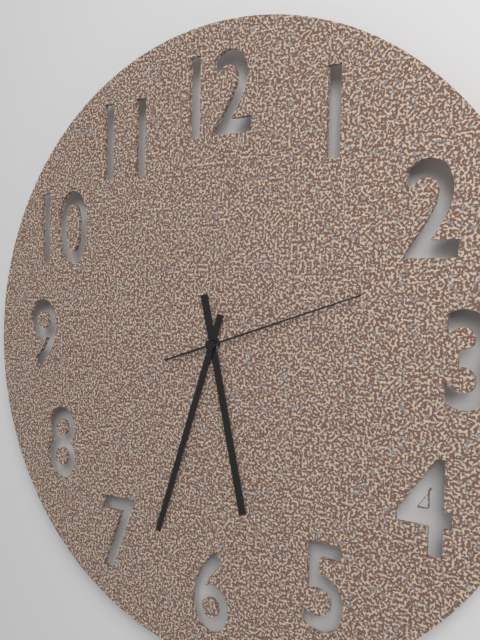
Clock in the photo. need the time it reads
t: 5:33:12
